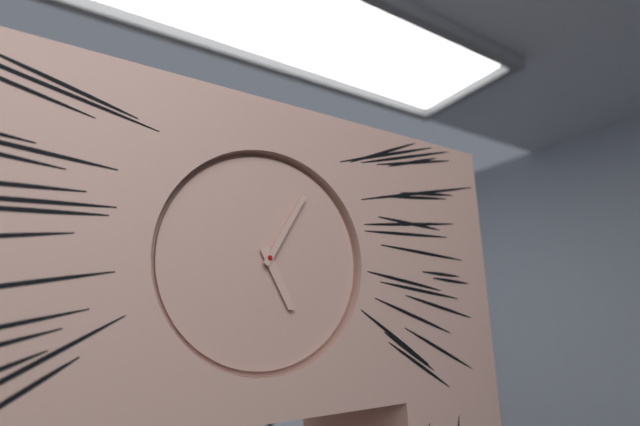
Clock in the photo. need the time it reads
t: 5:05
